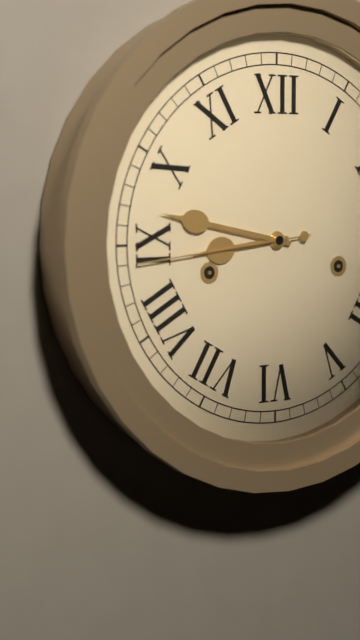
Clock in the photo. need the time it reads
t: 8:47:44
